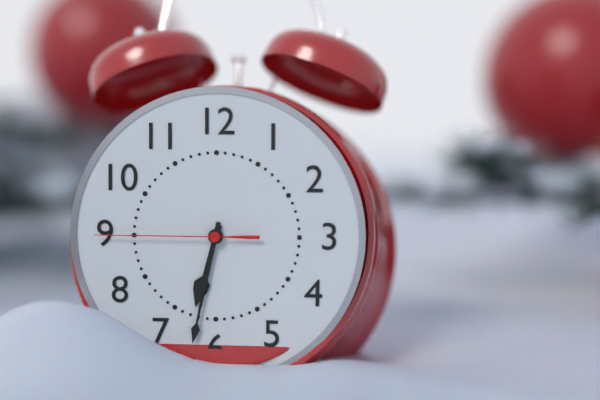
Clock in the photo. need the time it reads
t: 6:32:45
